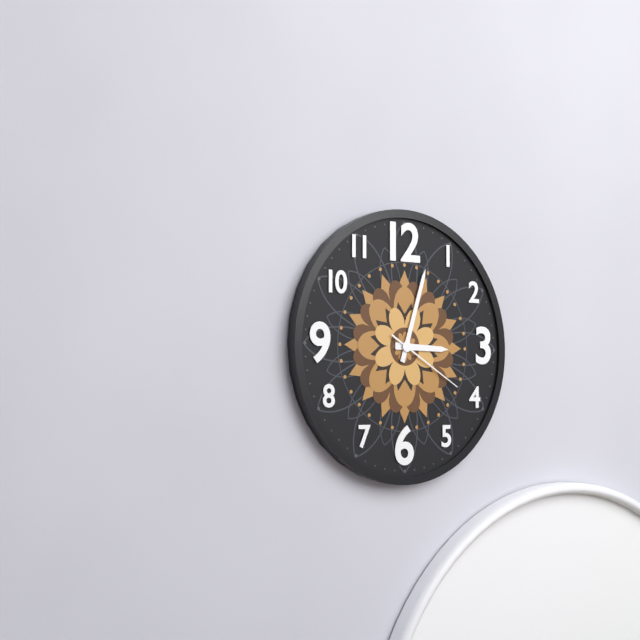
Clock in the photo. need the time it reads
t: 3:03:20
